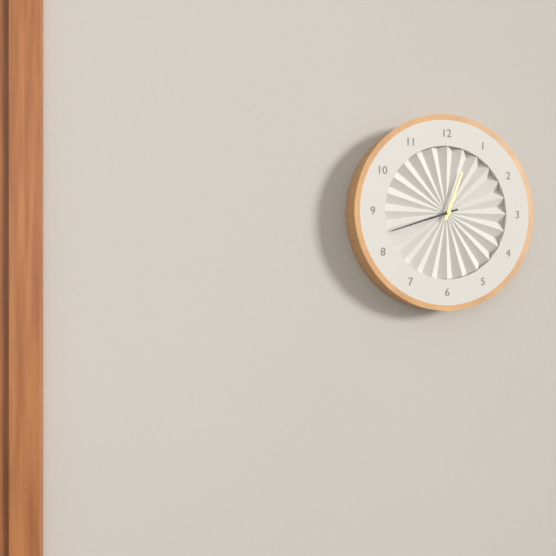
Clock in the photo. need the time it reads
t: 12:42
